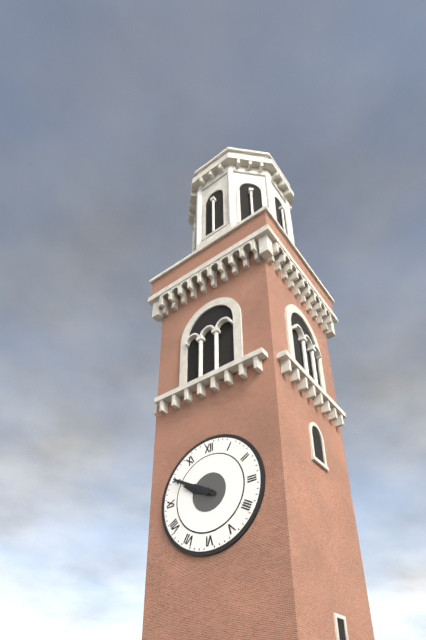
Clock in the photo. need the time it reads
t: 9:50
